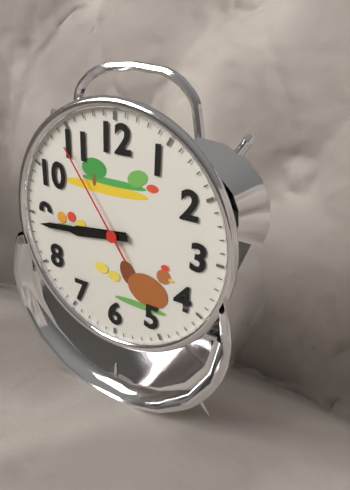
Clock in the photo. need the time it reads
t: 8:44:54
